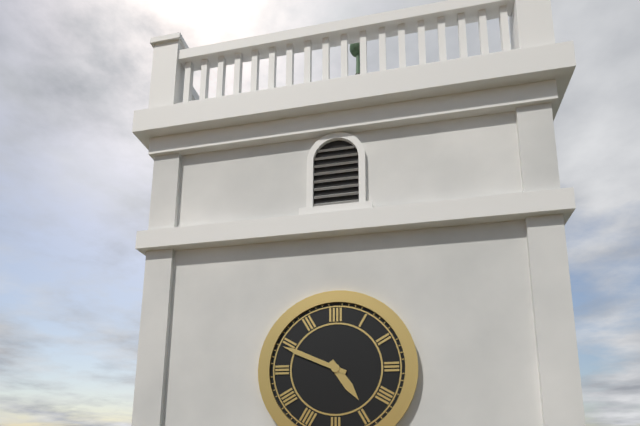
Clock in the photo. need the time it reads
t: 4:49
